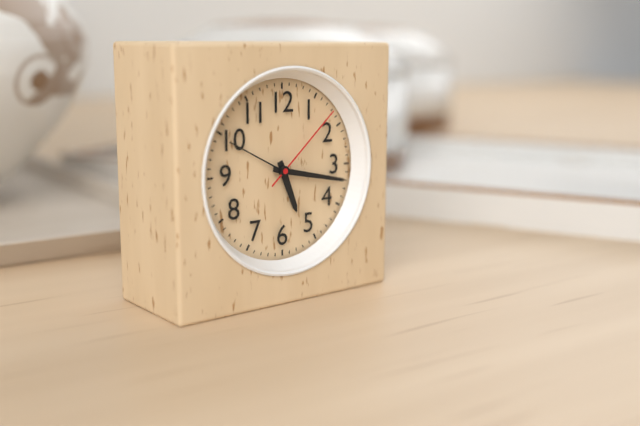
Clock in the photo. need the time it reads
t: 5:17:08
